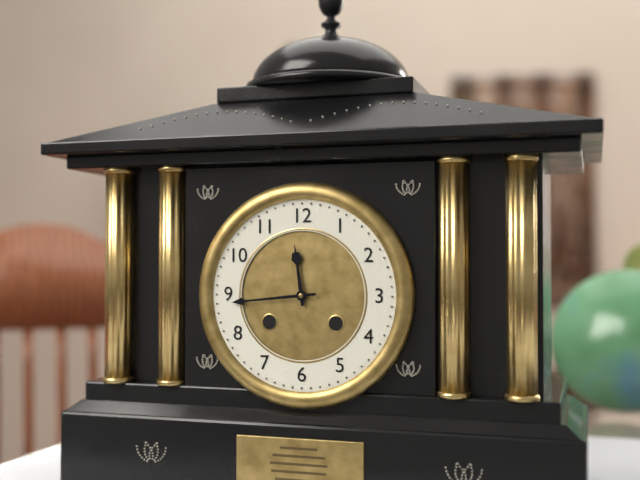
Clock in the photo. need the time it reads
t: 11:44
